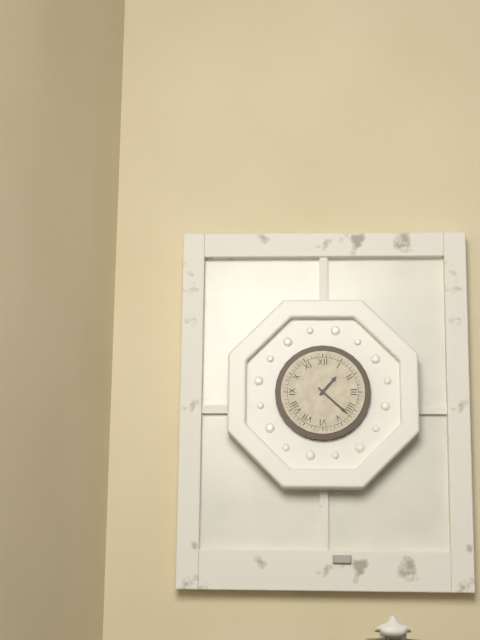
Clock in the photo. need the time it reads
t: 1:22
